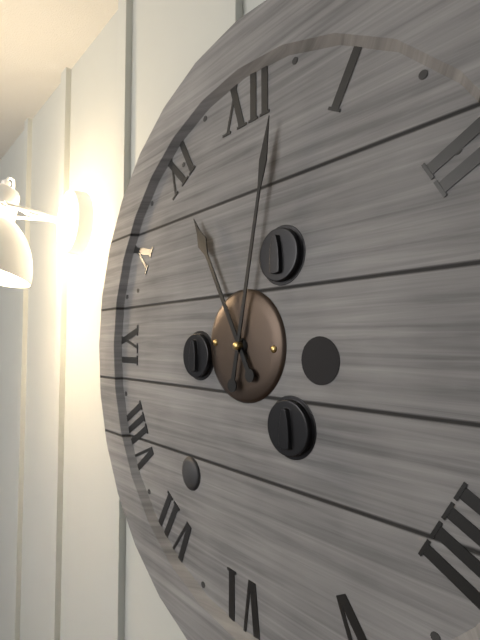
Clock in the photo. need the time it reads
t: 11:02
